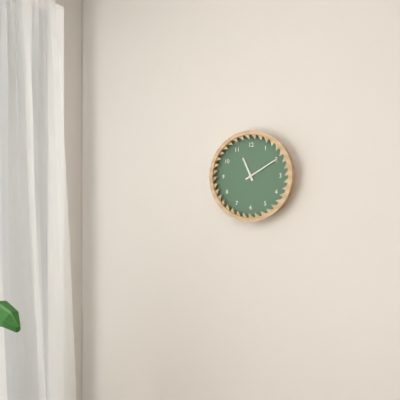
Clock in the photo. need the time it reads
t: 11:10
